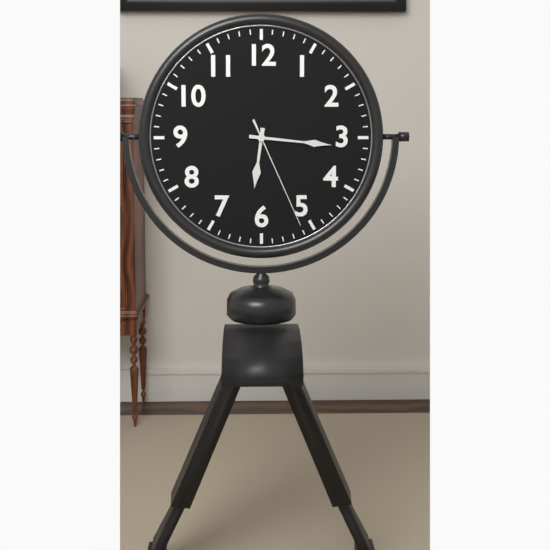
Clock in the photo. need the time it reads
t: 6:16:26
